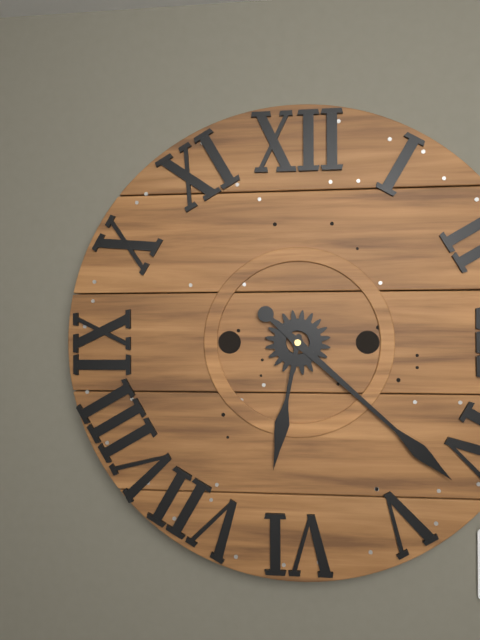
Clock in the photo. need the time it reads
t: 6:22
